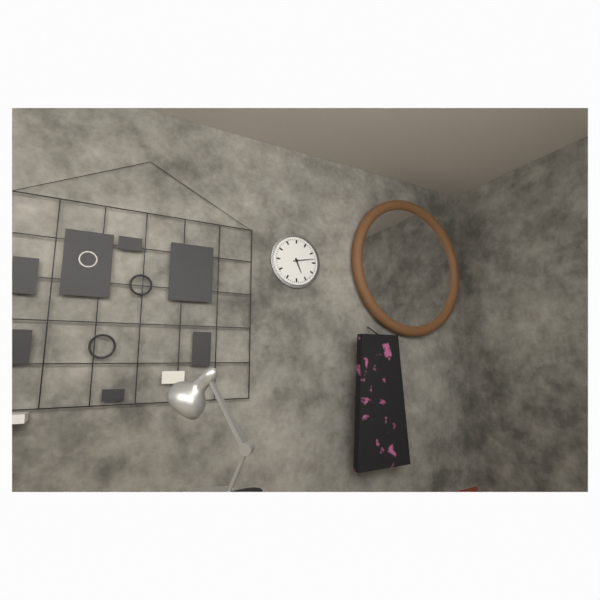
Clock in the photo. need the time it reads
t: 5:13
